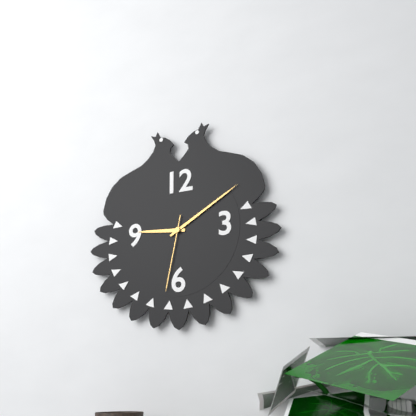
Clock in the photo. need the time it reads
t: 9:10:32
